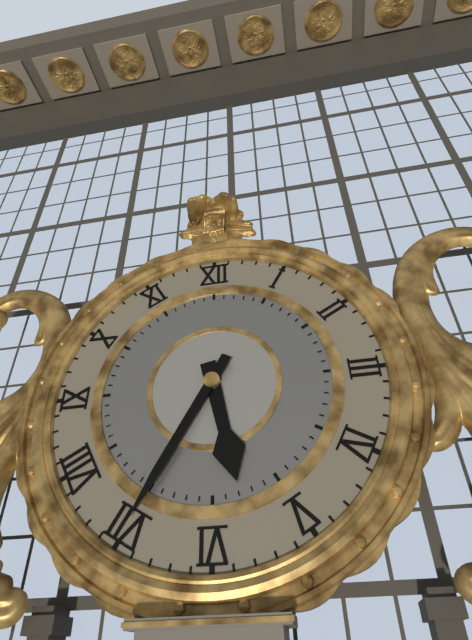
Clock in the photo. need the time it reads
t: 5:35
